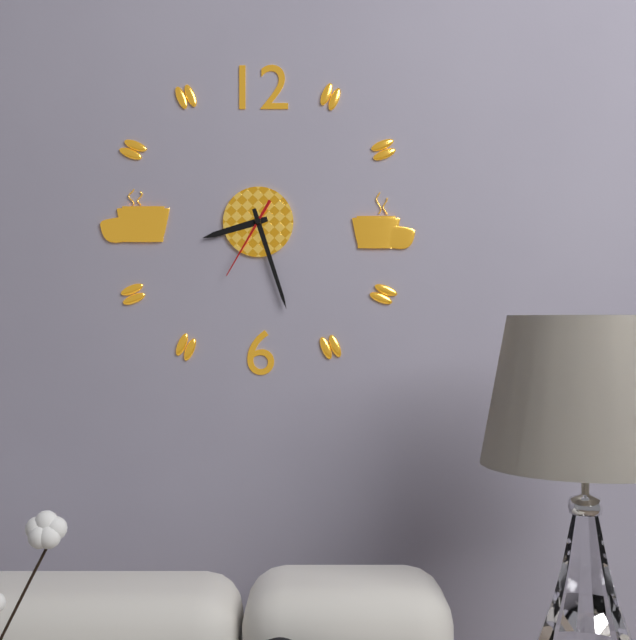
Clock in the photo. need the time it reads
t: 8:27:35
